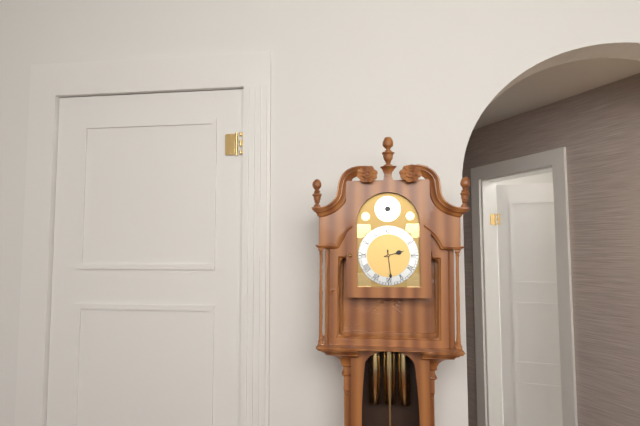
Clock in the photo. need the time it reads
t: 2:29
